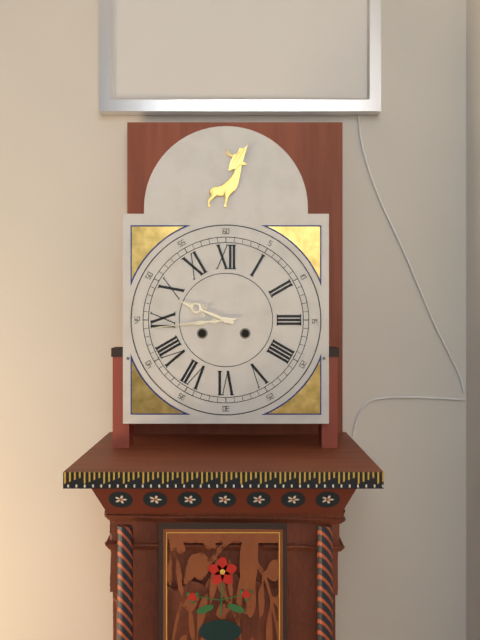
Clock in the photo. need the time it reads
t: 9:44
